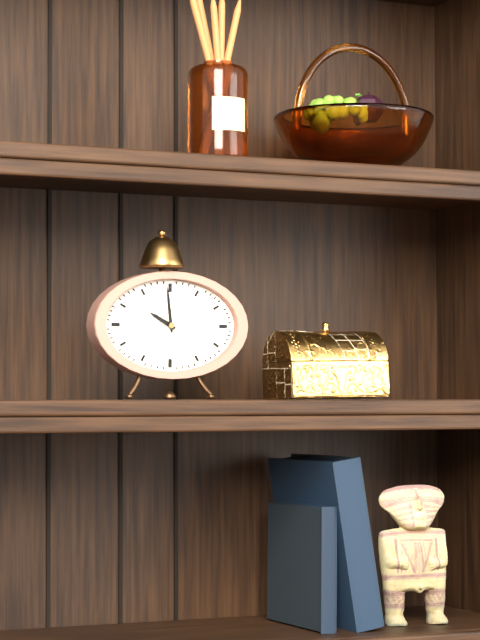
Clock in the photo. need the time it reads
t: 9:59
